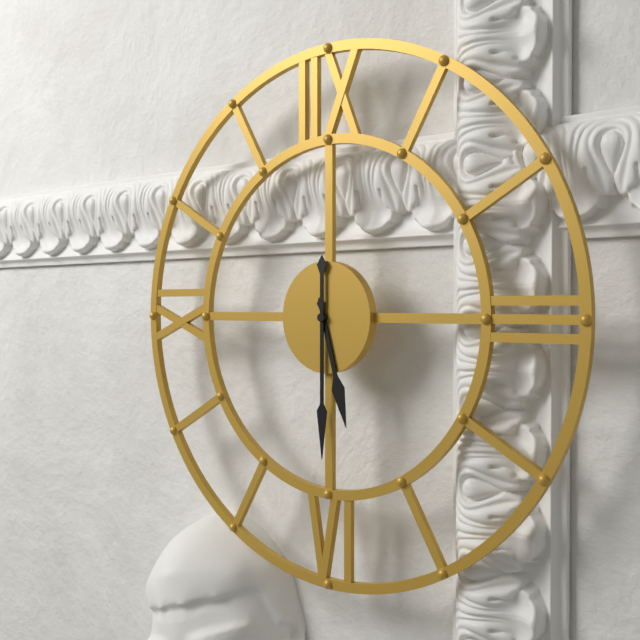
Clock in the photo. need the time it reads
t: 5:30
